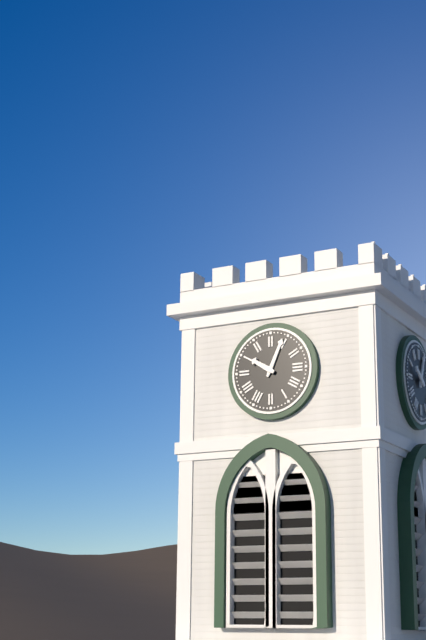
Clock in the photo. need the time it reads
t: 10:04
